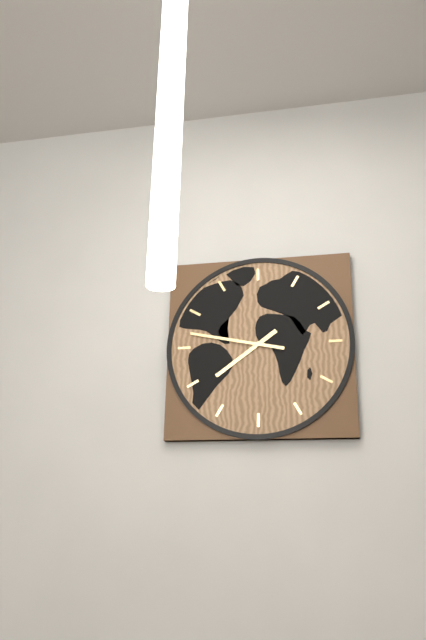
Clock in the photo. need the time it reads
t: 7:47
